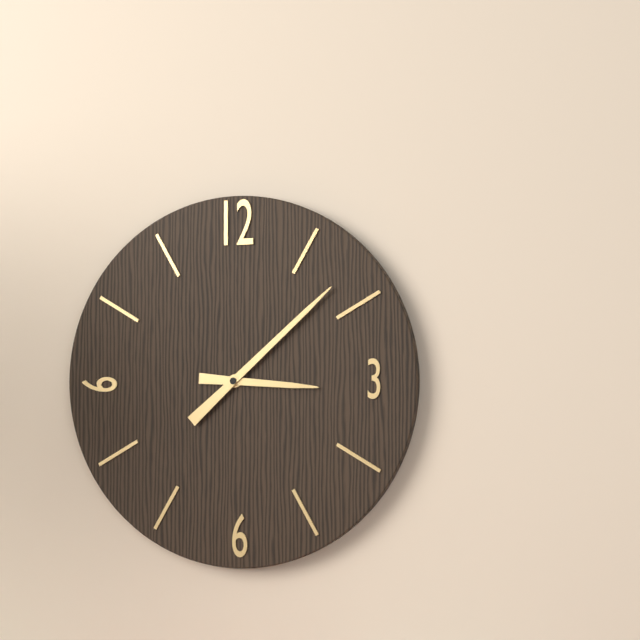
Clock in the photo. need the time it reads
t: 3:08
